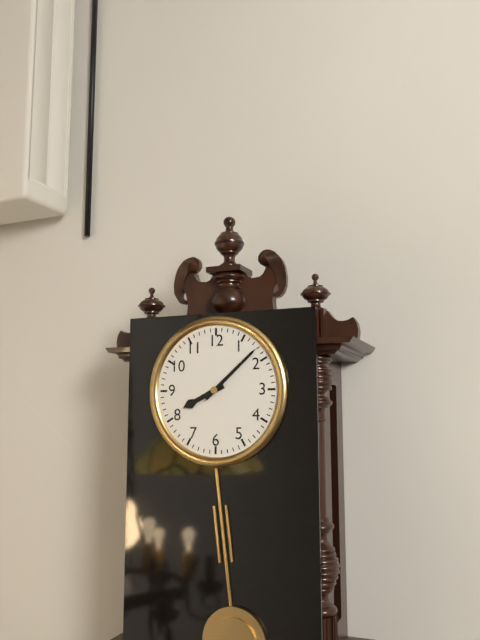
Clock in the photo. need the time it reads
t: 8:08
